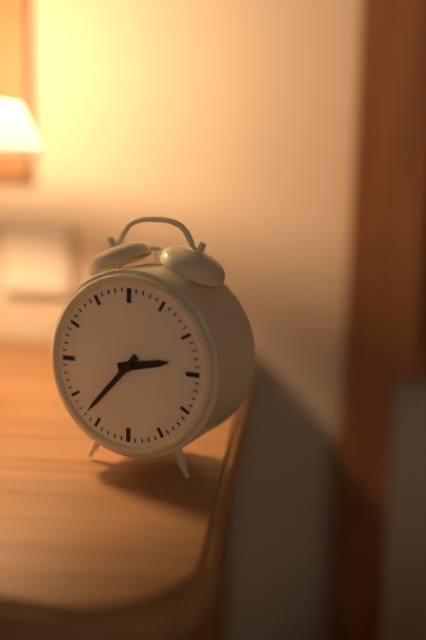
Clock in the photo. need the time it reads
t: 2:37
